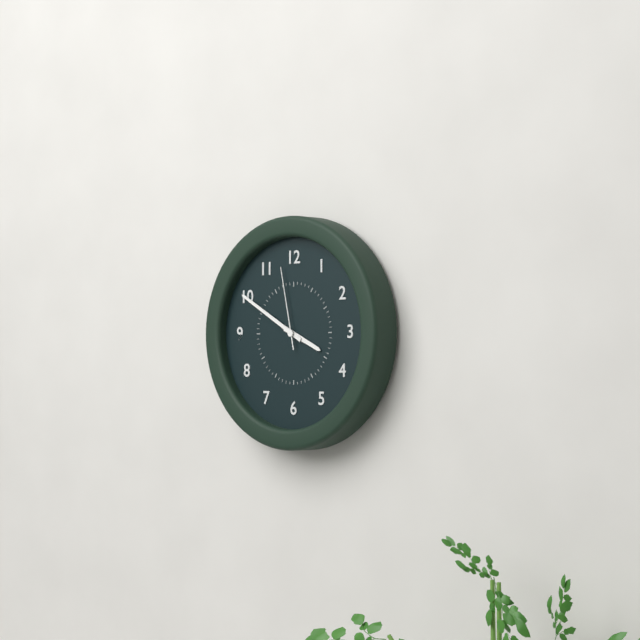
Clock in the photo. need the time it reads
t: 3:50:58
